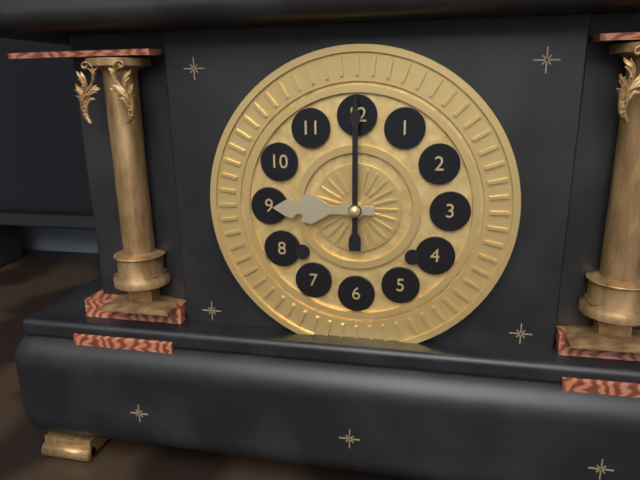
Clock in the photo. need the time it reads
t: 9:00
